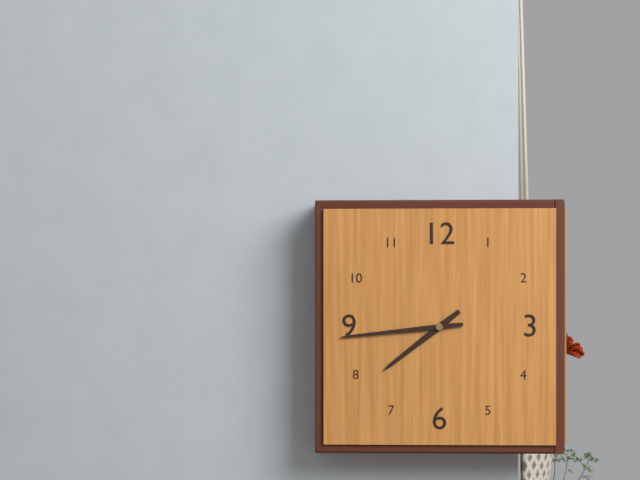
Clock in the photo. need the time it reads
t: 7:44
